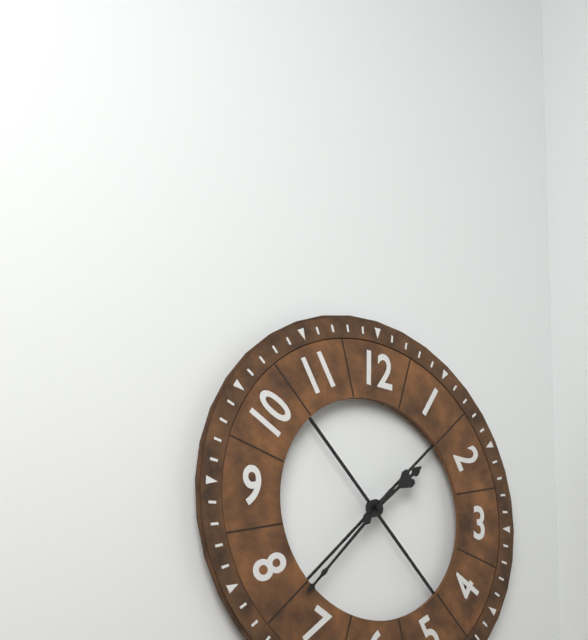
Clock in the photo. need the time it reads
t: 1:37
